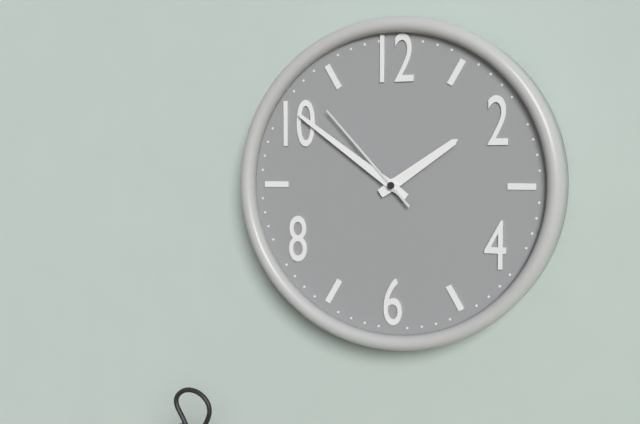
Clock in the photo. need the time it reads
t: 1:51:53
